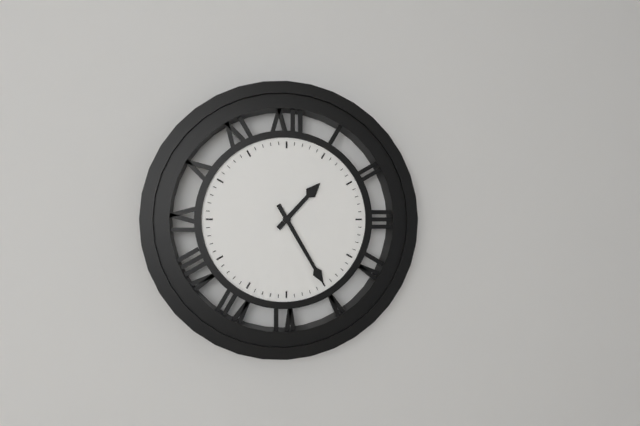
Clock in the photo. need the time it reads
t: 1:25
